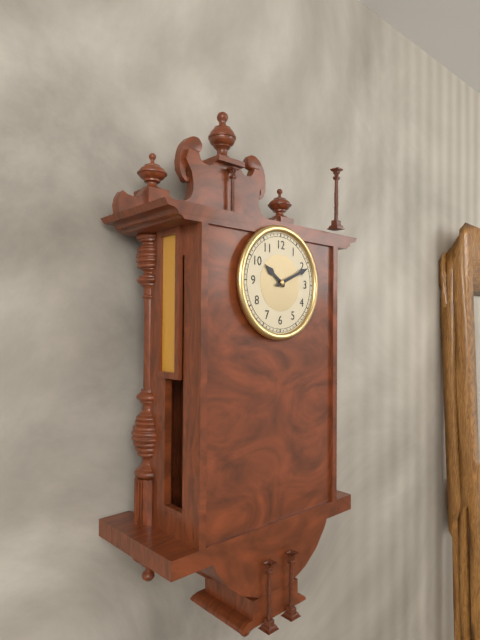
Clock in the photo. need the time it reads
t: 10:11
